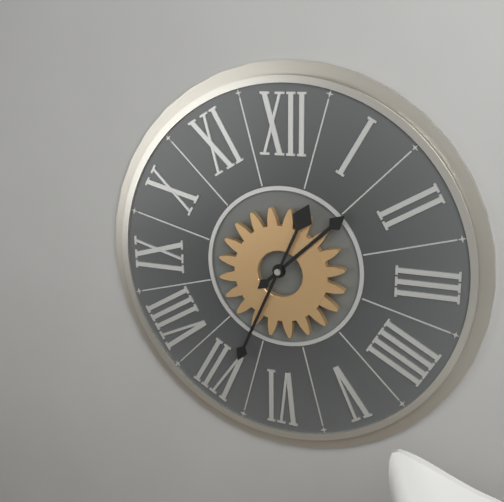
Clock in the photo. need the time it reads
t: 1:34
